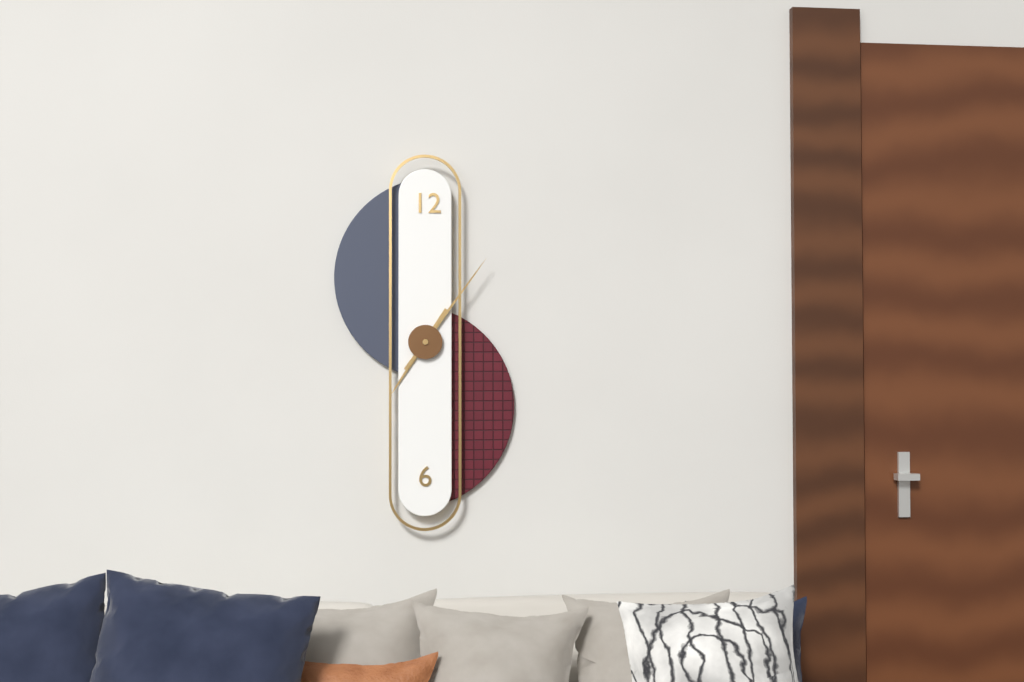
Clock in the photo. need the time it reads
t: 7:06
